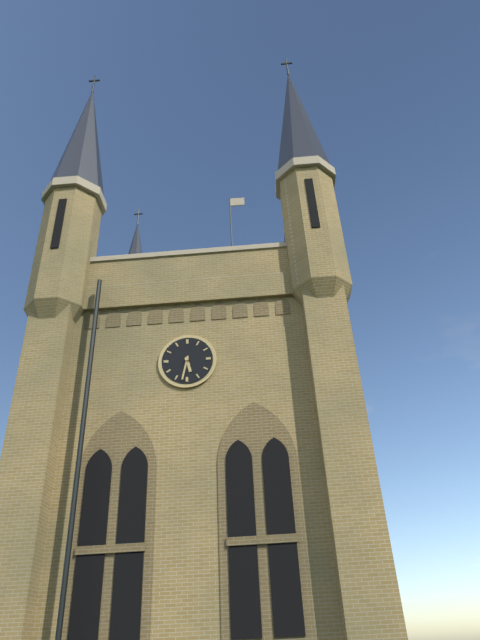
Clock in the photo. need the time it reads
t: 5:32
